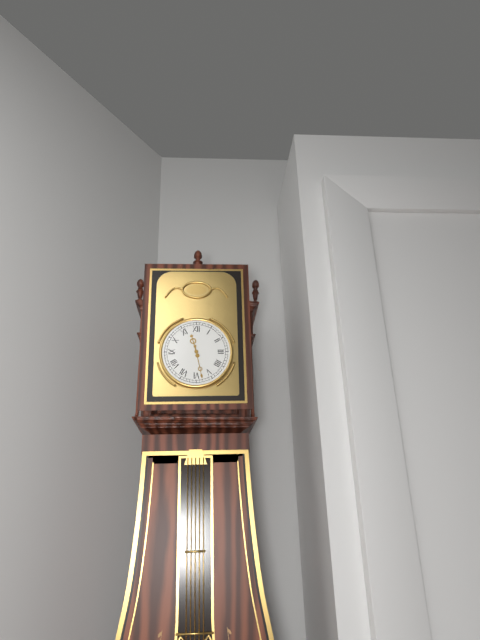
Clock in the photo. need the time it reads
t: 11:28
